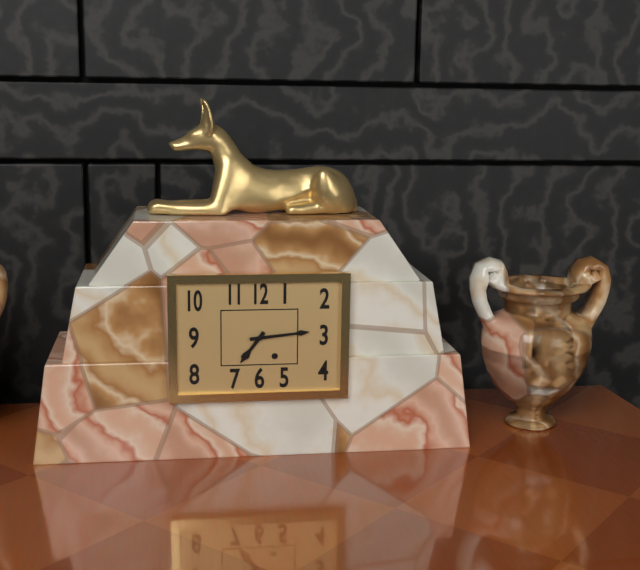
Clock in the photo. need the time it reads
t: 7:14
